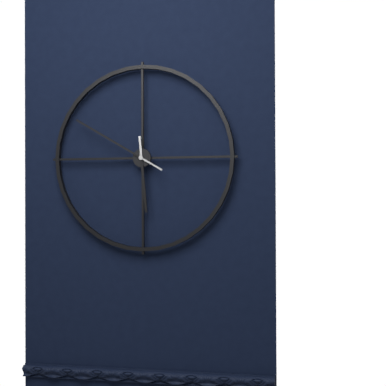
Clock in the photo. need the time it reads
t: 5:50
